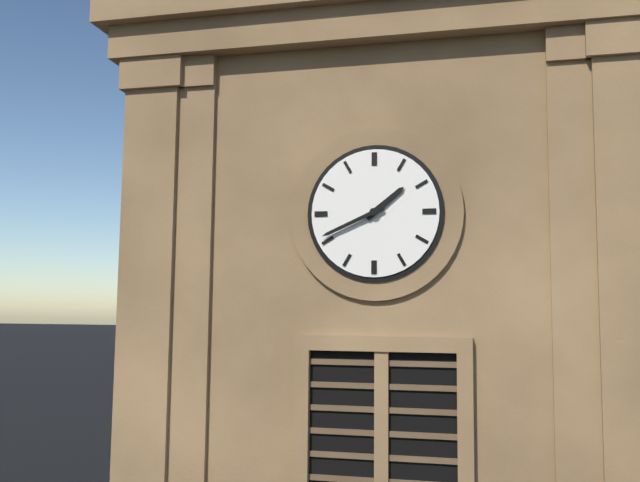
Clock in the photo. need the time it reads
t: 1:41
